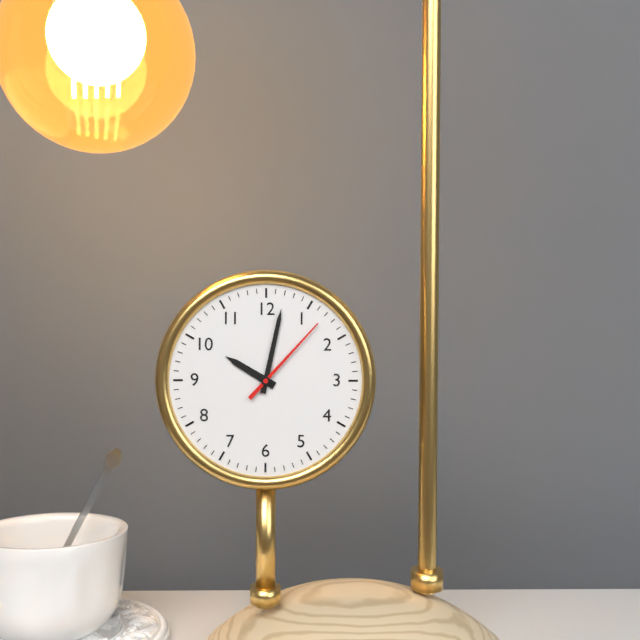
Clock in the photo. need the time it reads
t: 10:02:07
